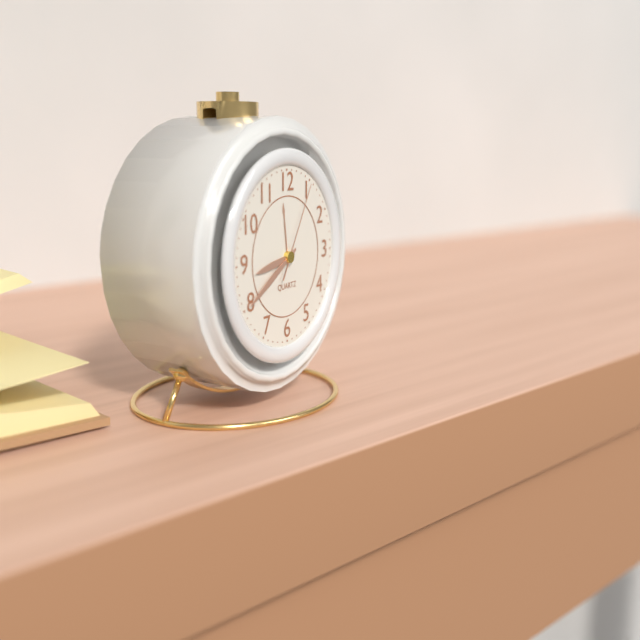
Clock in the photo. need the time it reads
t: 8:40:05
